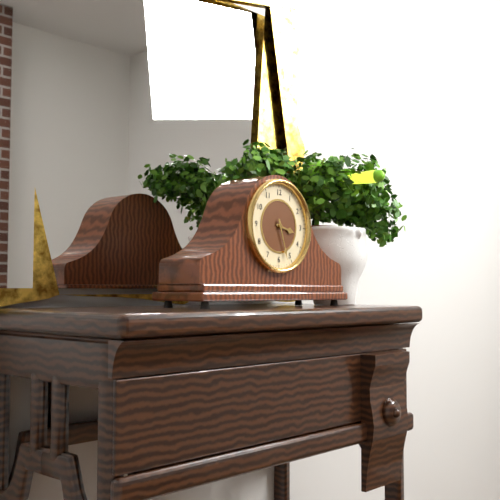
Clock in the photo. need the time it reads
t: 3:27
